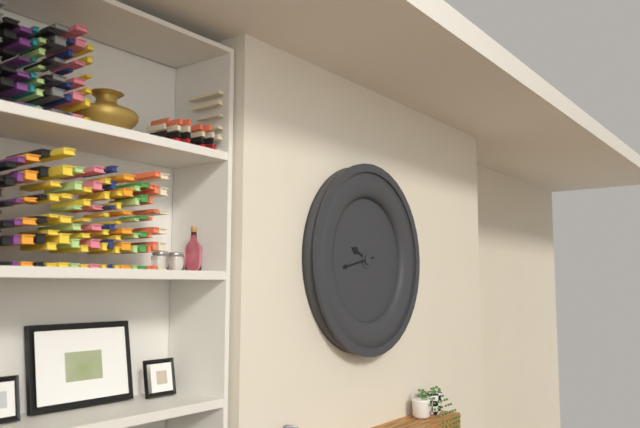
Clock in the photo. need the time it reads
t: 9:43
